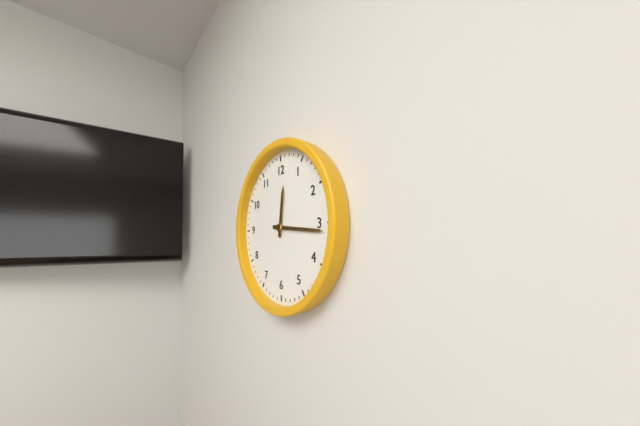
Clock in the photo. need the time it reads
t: 12:16
